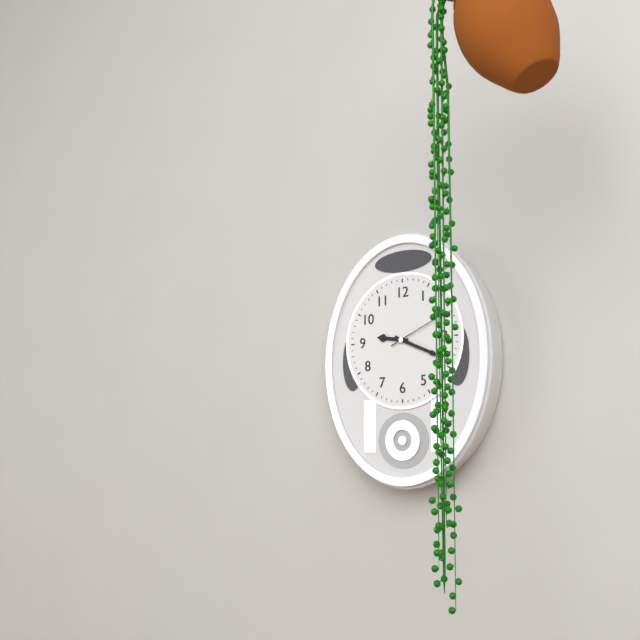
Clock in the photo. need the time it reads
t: 9:19:11
